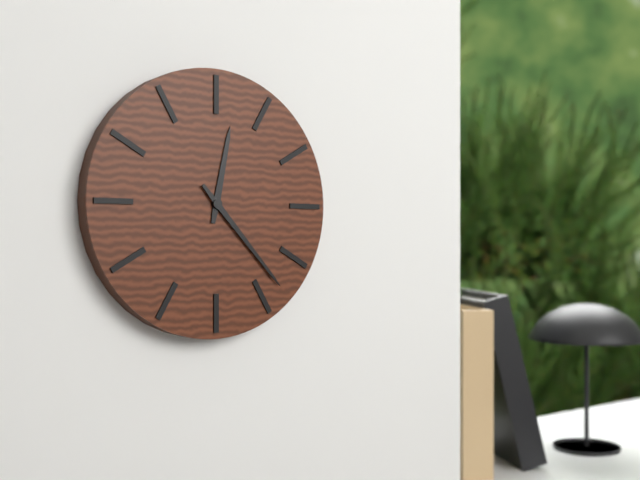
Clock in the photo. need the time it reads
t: 12:23
